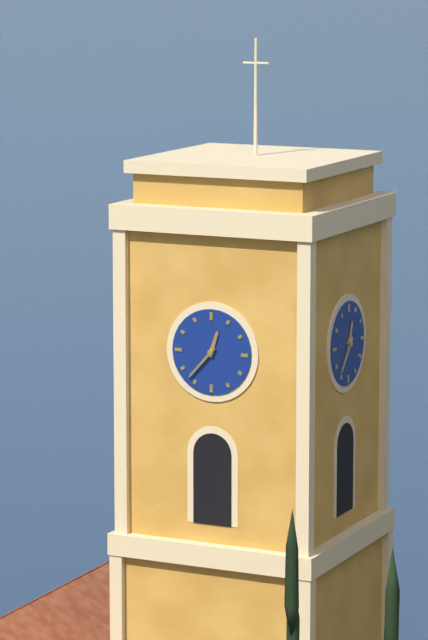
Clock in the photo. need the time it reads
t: 12:37
